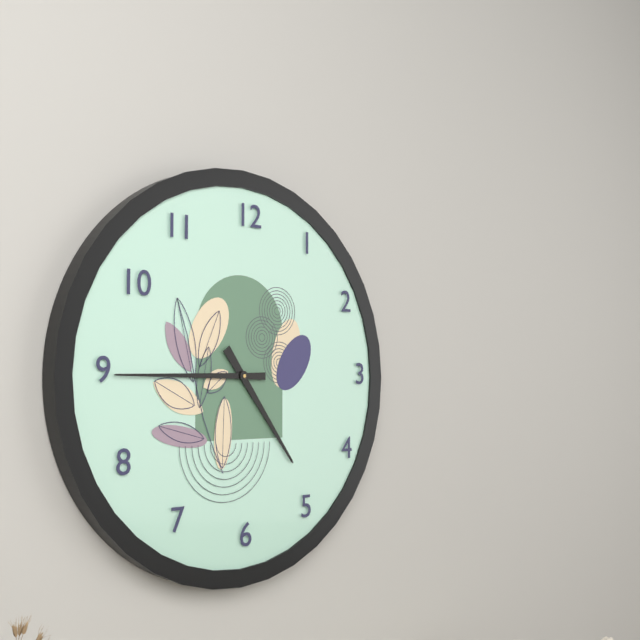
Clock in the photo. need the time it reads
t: 4:45
